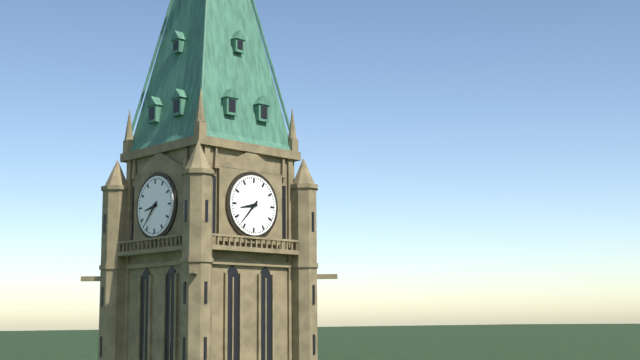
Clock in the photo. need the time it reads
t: 8:37
